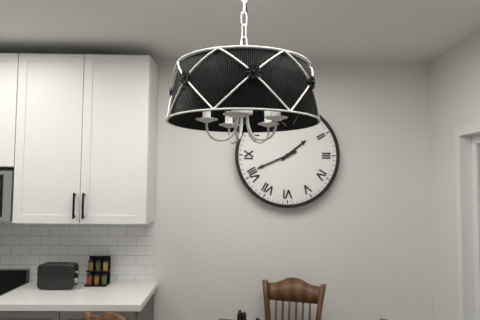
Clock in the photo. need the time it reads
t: 1:41
